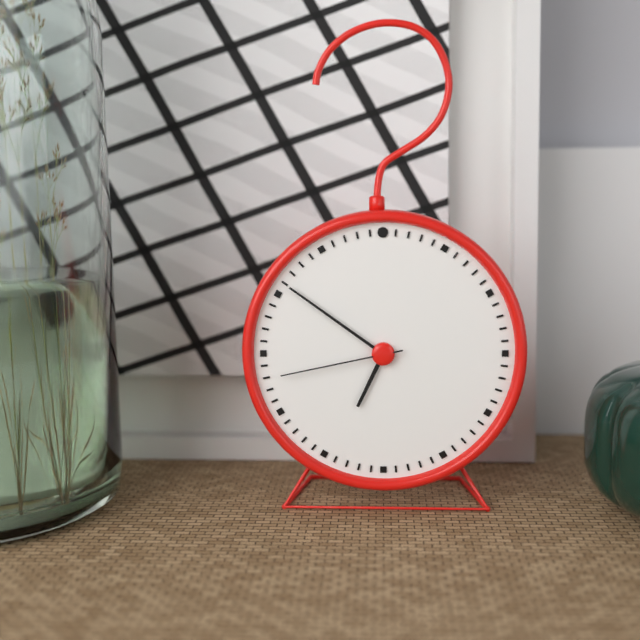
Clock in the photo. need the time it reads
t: 6:51:43
